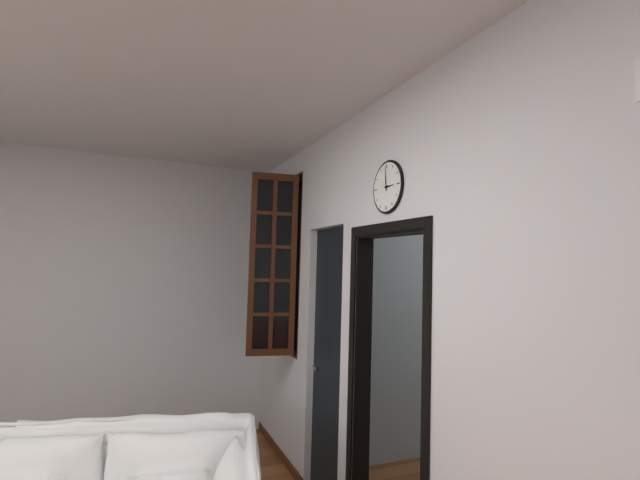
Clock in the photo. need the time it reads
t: 2:59
